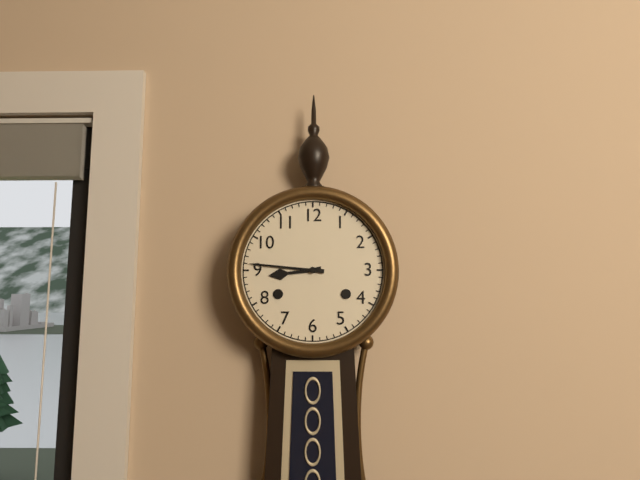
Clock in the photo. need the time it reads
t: 8:46
